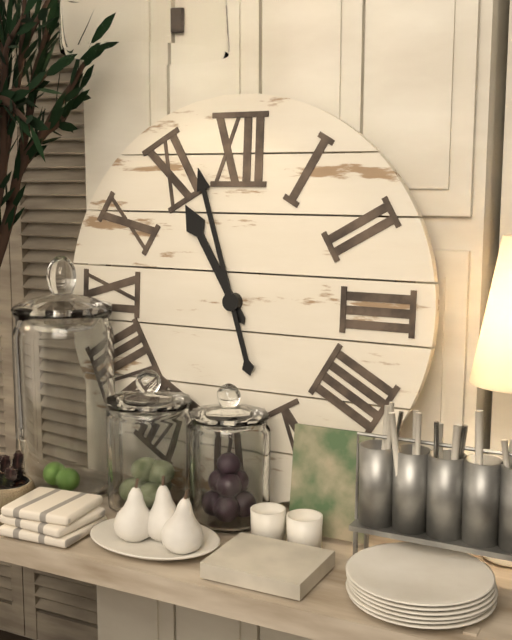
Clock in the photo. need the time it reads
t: 10:57
